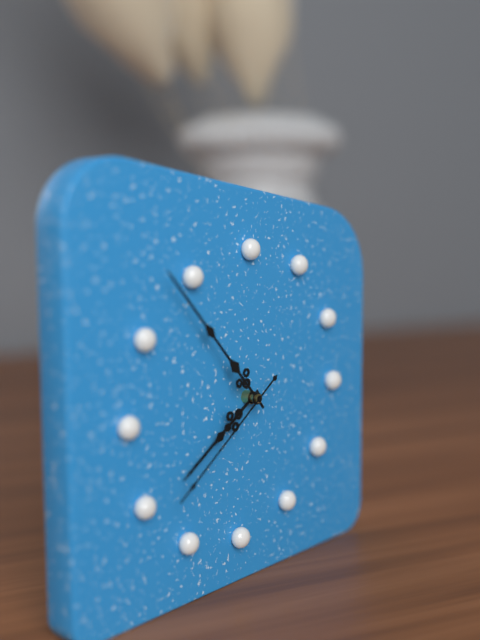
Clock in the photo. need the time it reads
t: 7:53:39
